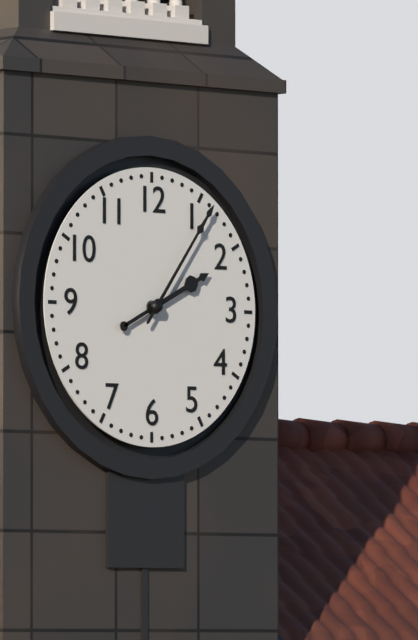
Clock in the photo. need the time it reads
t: 2:06
